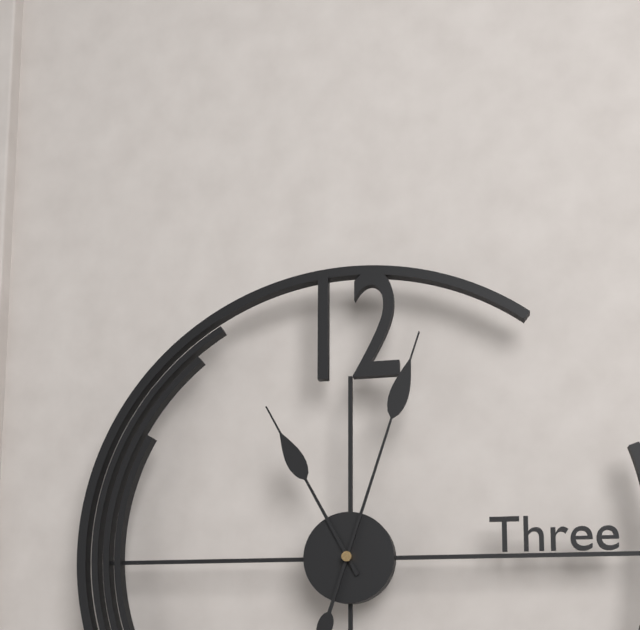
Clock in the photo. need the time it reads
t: 11:03
